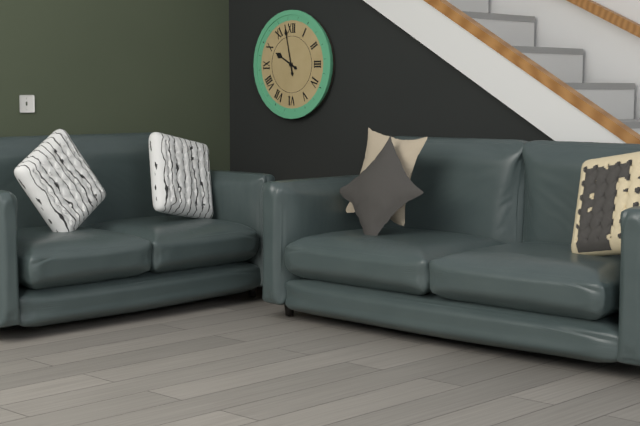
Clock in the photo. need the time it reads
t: 9:58
